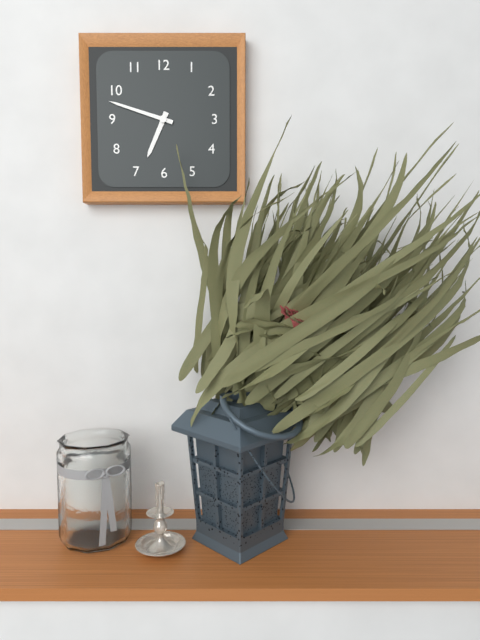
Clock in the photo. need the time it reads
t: 6:48
